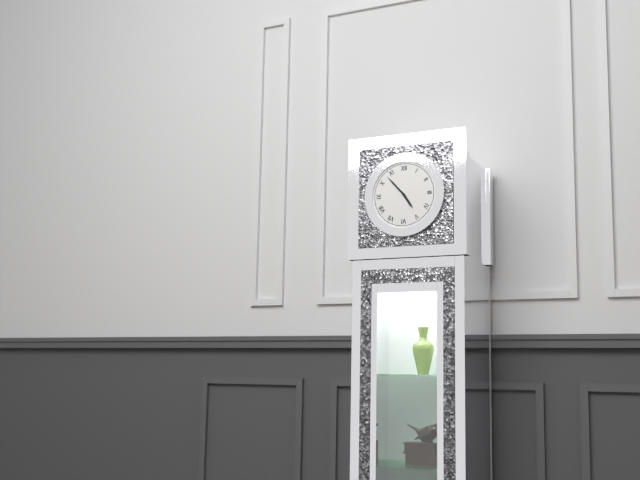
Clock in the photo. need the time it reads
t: 4:53
